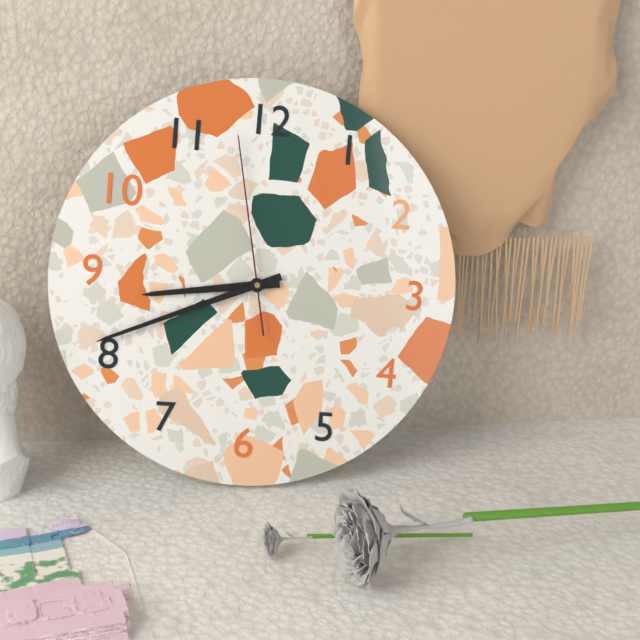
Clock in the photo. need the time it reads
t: 8:41:58
